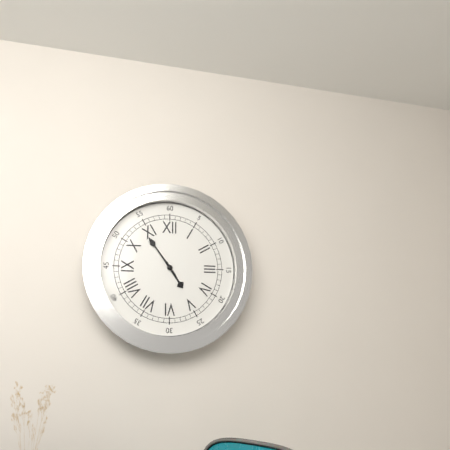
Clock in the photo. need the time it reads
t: 4:54
